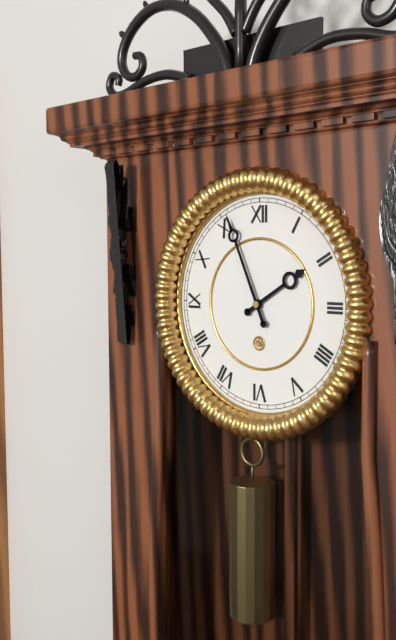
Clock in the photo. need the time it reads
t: 1:56
